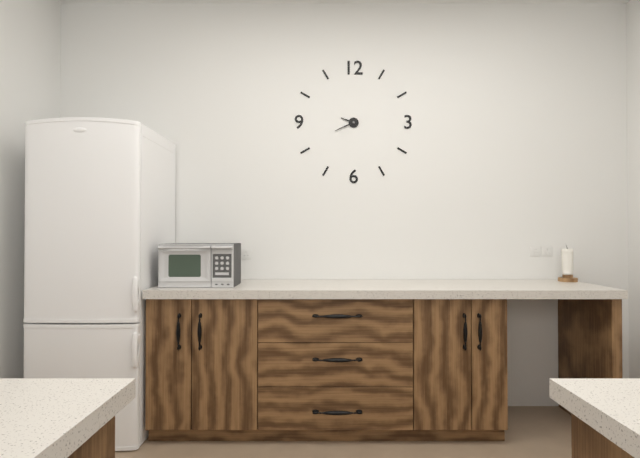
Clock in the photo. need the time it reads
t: 9:41
